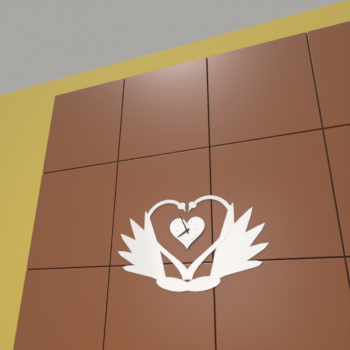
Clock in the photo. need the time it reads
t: 7:56
